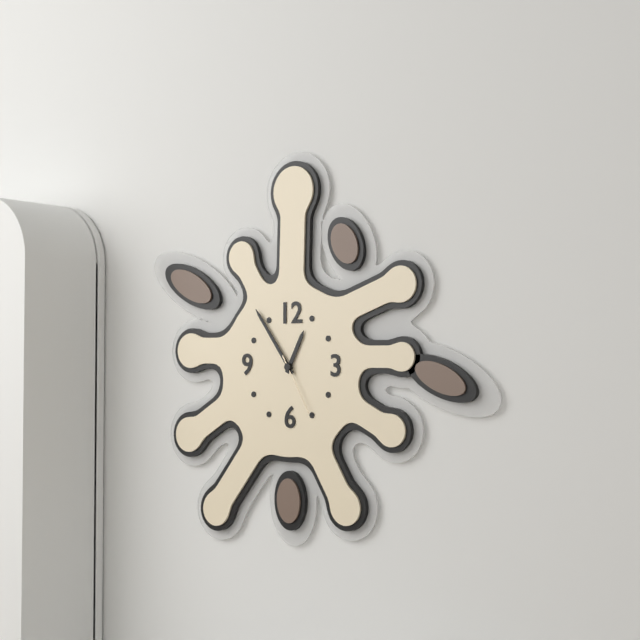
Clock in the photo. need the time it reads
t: 12:54:25
